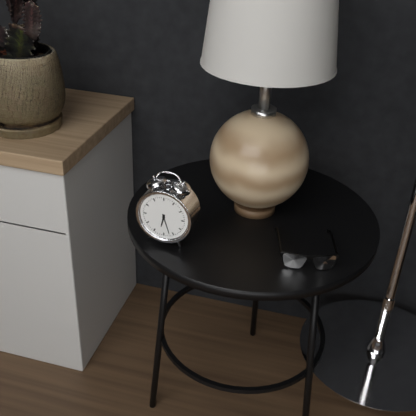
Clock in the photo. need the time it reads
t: 6:27
